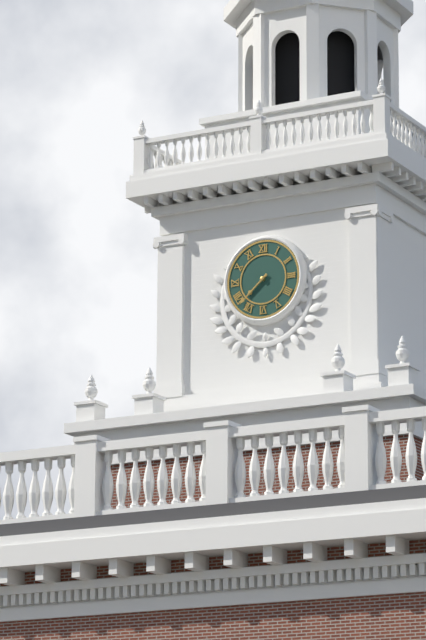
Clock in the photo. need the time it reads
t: 7:38
